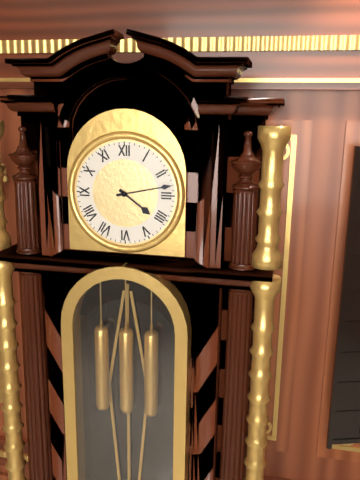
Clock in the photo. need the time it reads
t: 4:13
